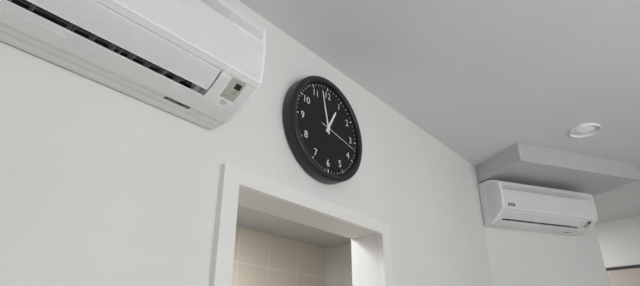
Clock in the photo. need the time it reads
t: 12:58
